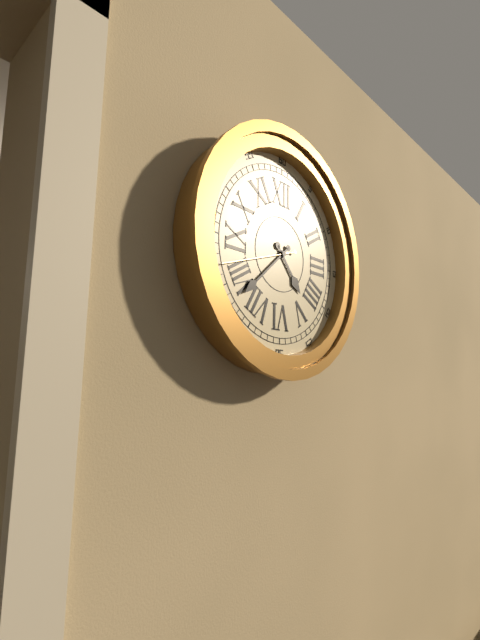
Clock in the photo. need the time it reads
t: 4:38:42
